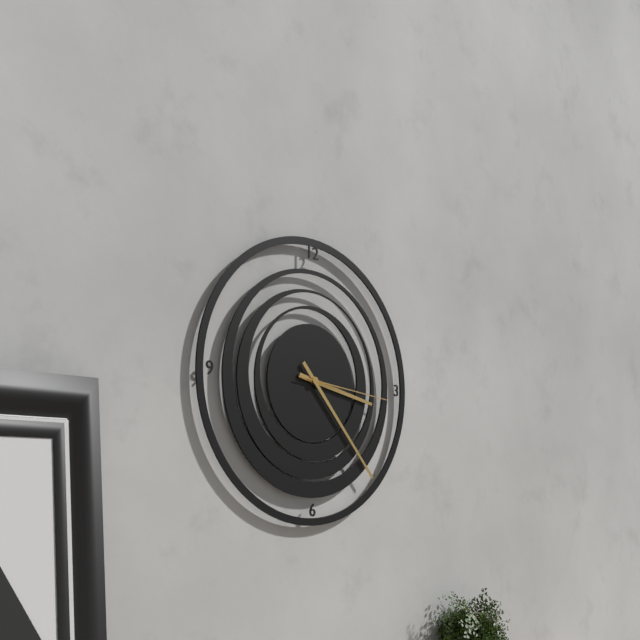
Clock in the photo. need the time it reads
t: 3:23:16
